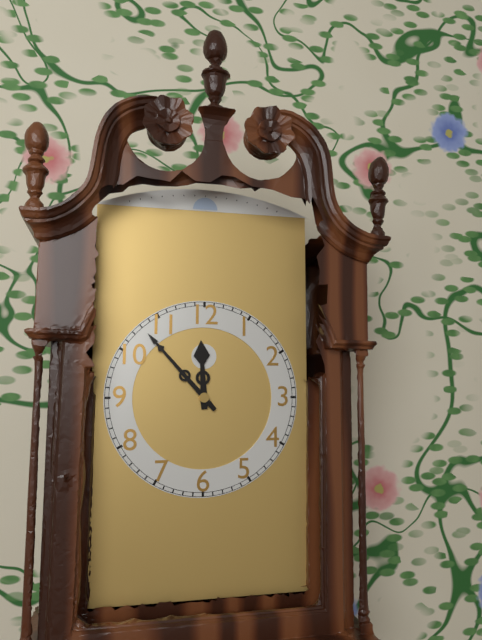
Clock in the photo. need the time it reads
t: 11:53
